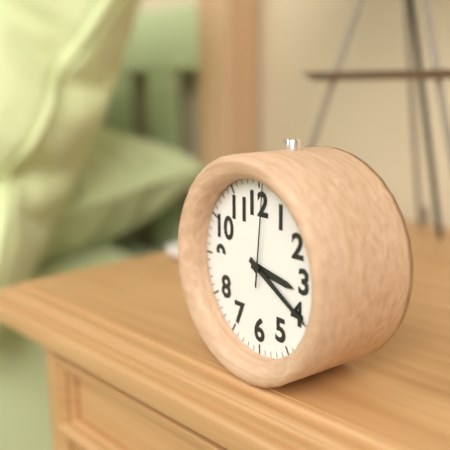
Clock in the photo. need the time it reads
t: 3:20:01
